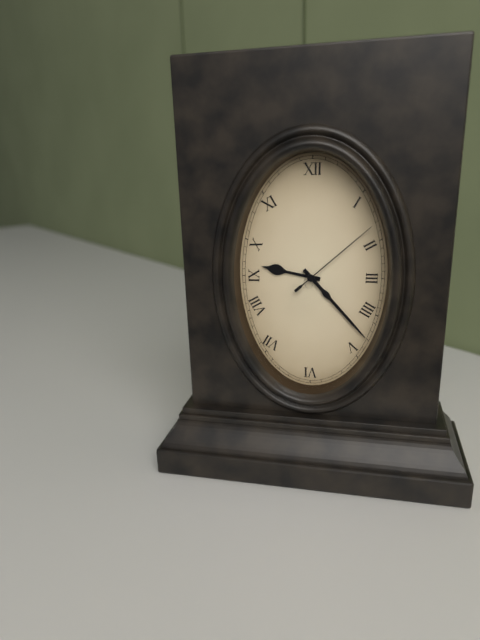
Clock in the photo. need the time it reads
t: 9:23:08
